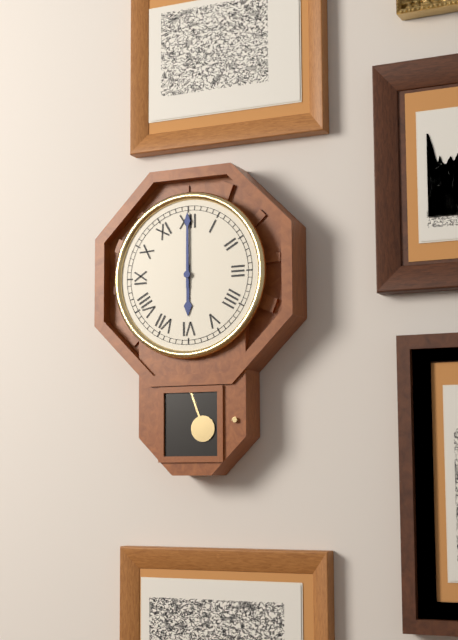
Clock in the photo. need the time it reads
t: 6:00
